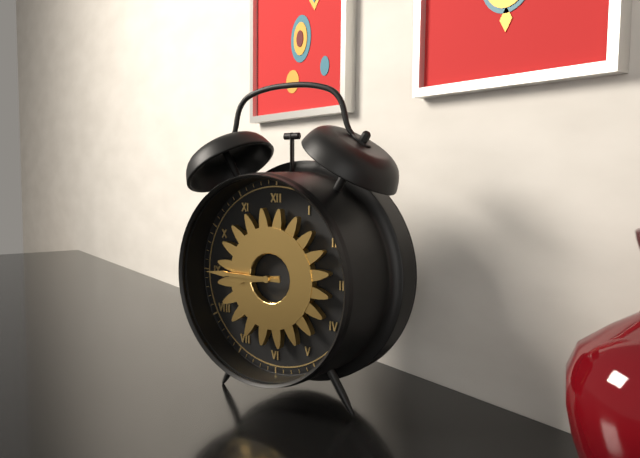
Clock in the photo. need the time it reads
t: 8:45
